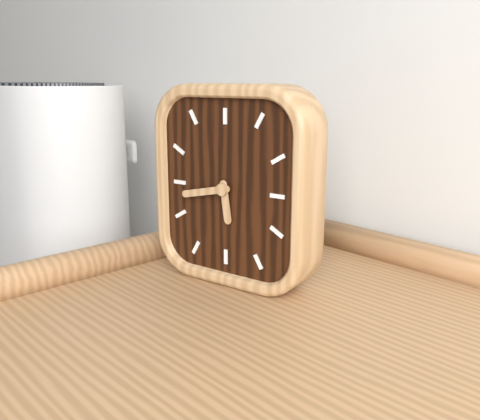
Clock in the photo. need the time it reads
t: 5:43
